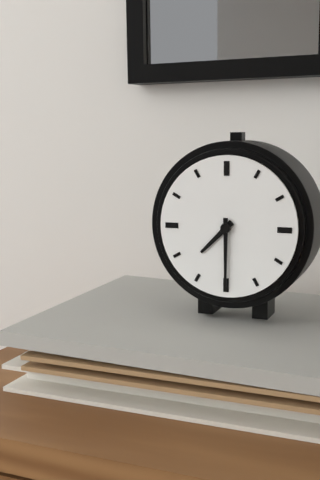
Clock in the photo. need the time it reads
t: 7:30
